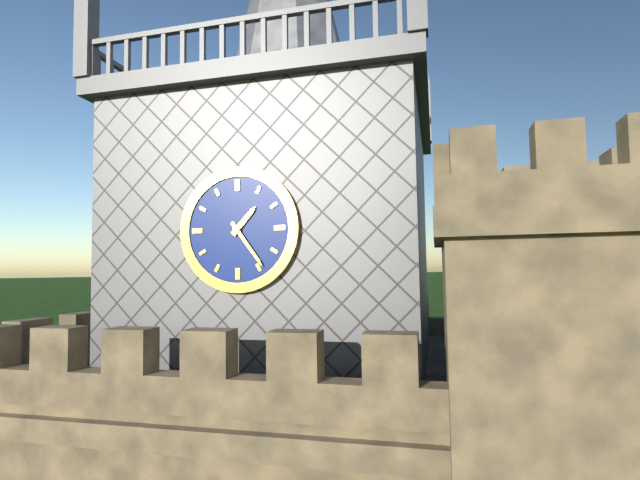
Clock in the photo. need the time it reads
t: 1:24
